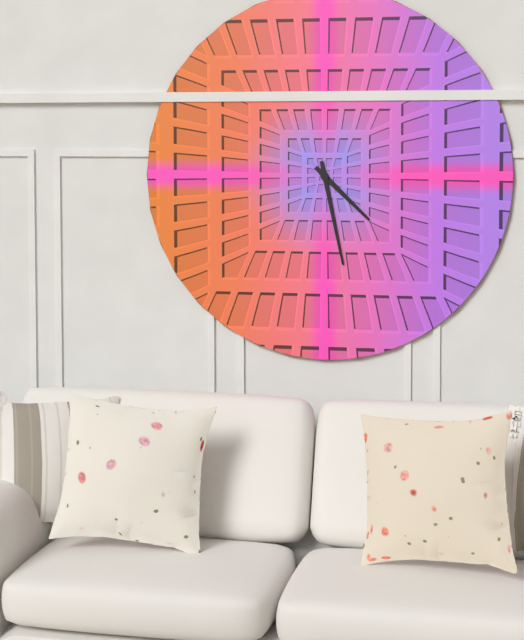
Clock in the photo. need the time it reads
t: 4:28
